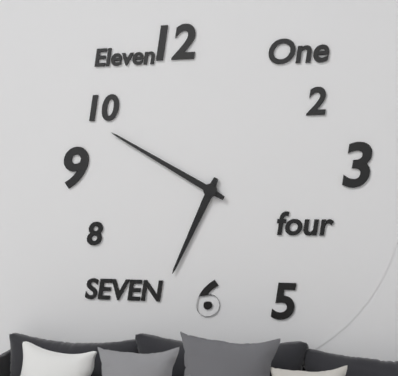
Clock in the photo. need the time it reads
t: 6:50
